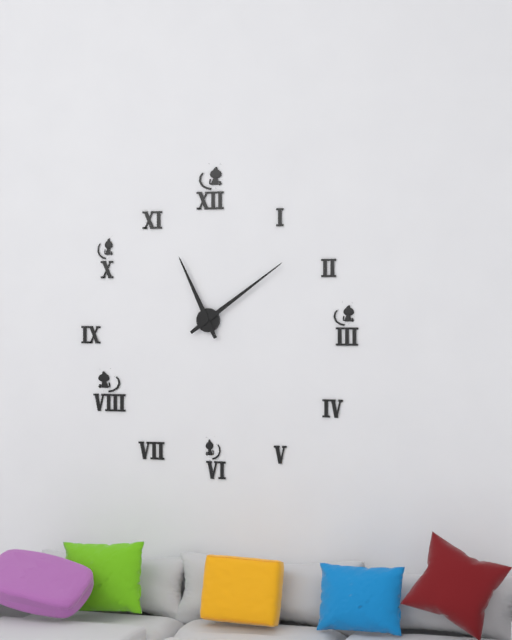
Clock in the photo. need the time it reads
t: 11:09
